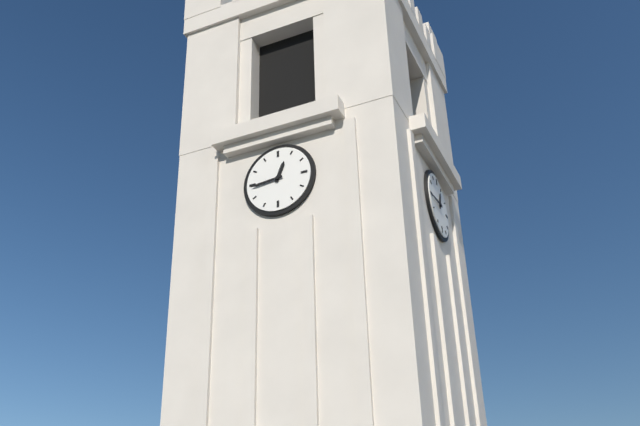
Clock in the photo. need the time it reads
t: 12:44
